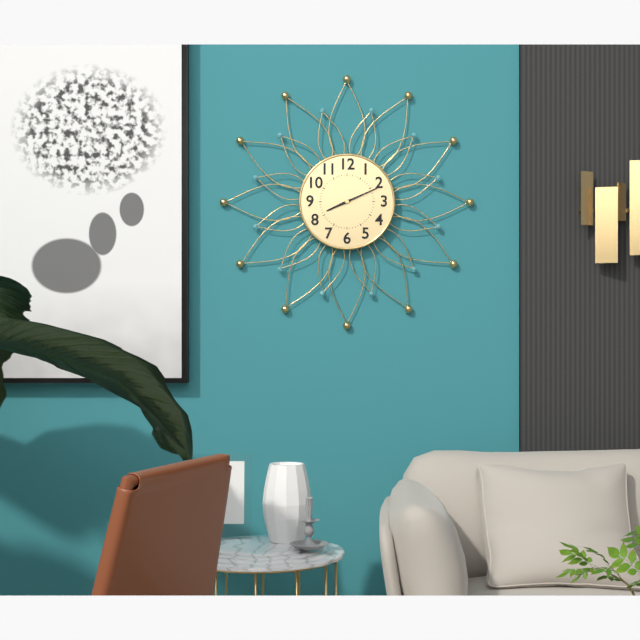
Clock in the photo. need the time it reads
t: 8:11
